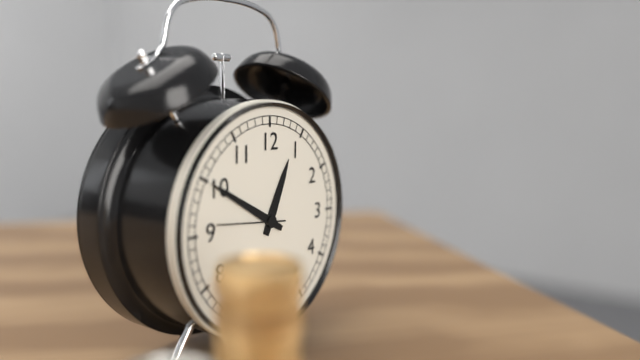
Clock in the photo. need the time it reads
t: 12:50:46
